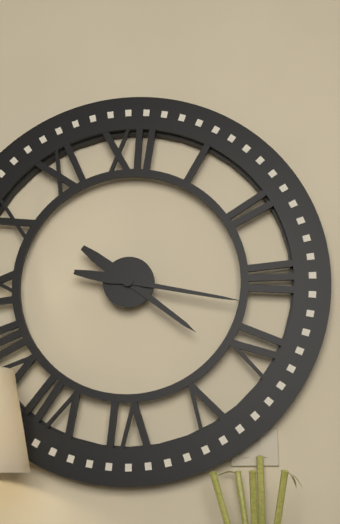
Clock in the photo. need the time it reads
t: 4:17
